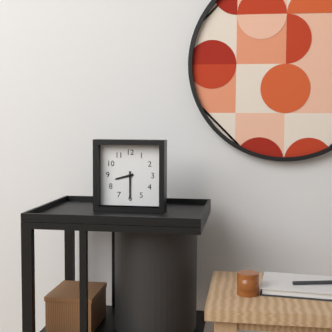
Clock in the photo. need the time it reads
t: 8:30
